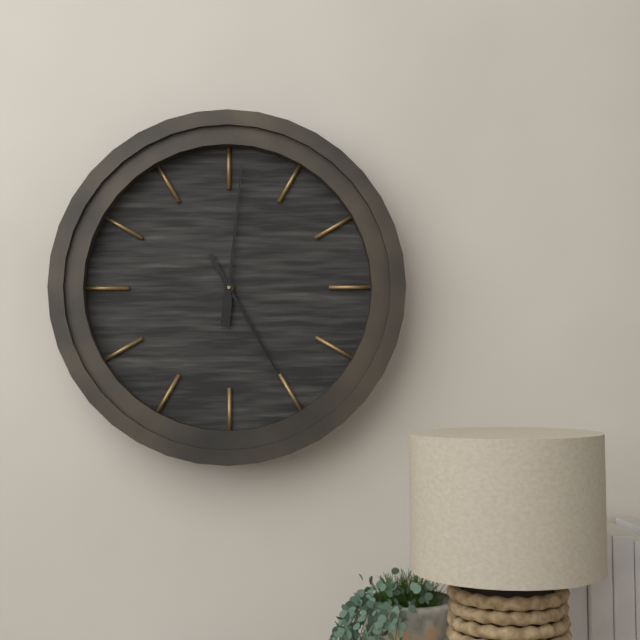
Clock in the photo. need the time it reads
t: 5:01
